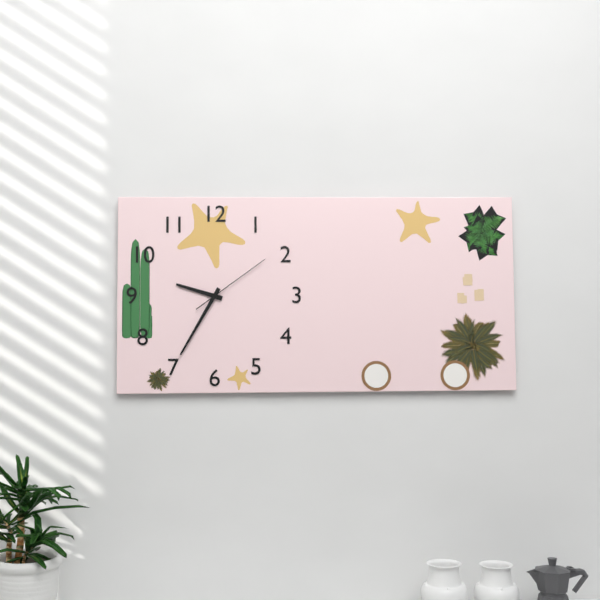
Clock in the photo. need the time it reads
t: 9:35:09
